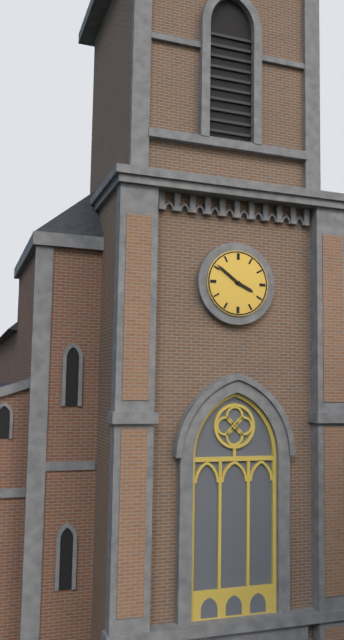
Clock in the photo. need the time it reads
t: 3:51
